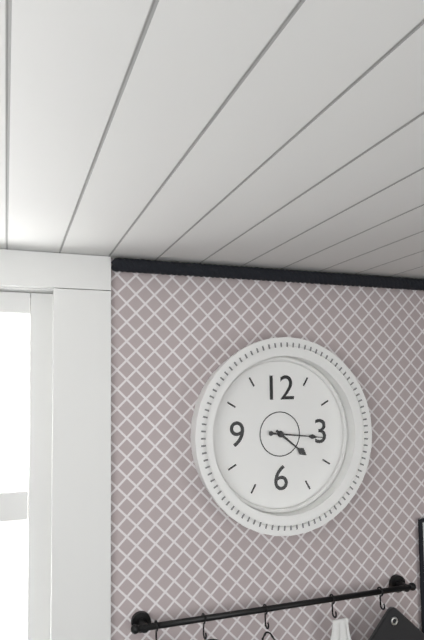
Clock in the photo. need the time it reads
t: 4:16
